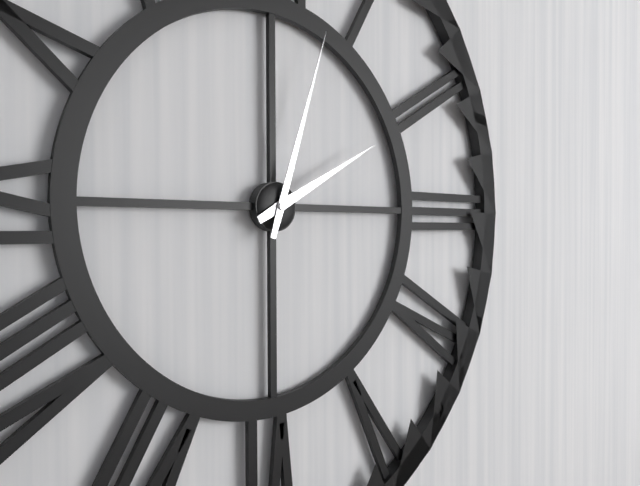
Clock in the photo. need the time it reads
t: 2:03
